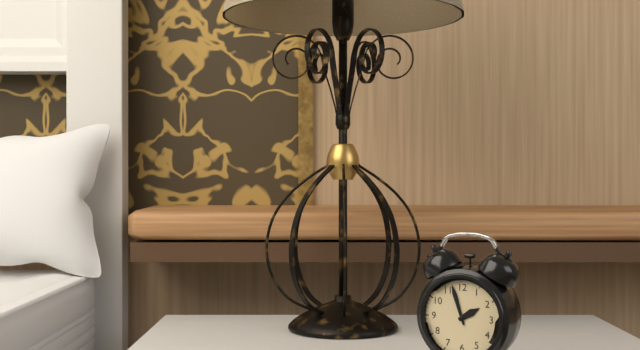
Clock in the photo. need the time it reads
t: 1:57
